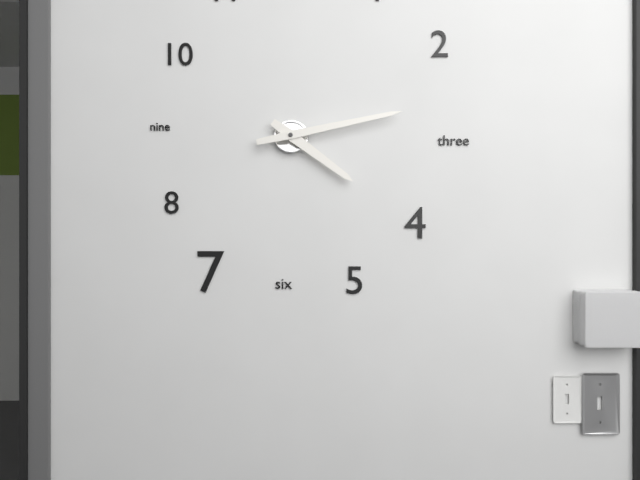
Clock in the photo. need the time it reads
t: 4:13
